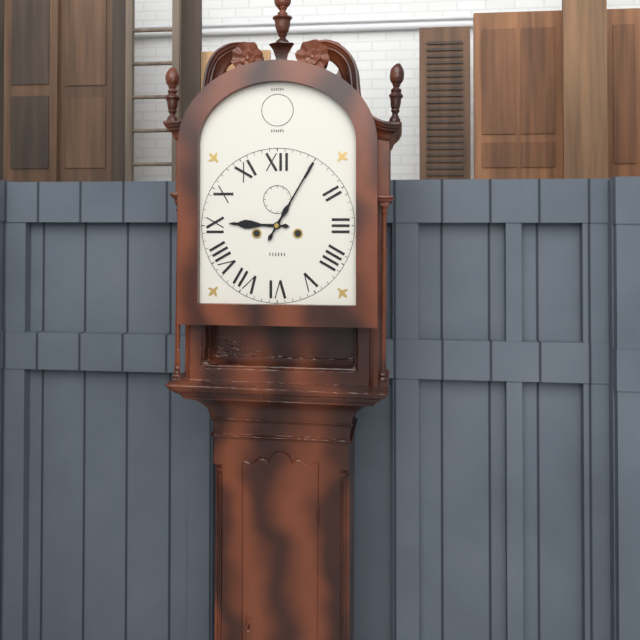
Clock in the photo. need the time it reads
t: 9:05
